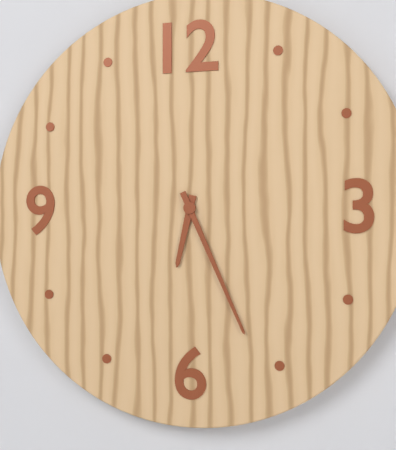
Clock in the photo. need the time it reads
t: 6:26
